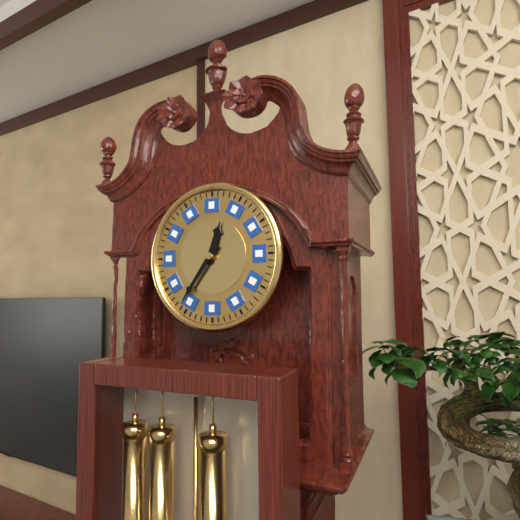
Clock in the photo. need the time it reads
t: 12:36
